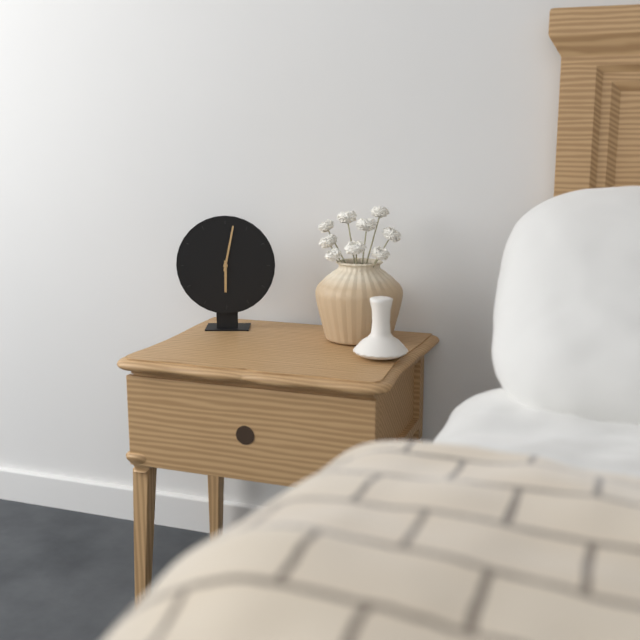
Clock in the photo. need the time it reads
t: 6:02
